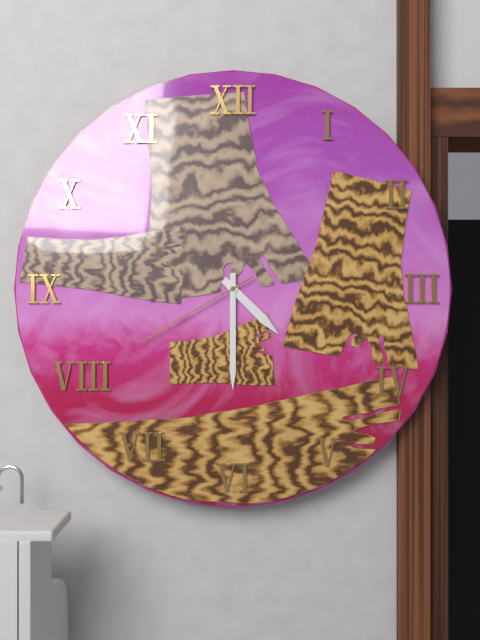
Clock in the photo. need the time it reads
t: 4:30:40
